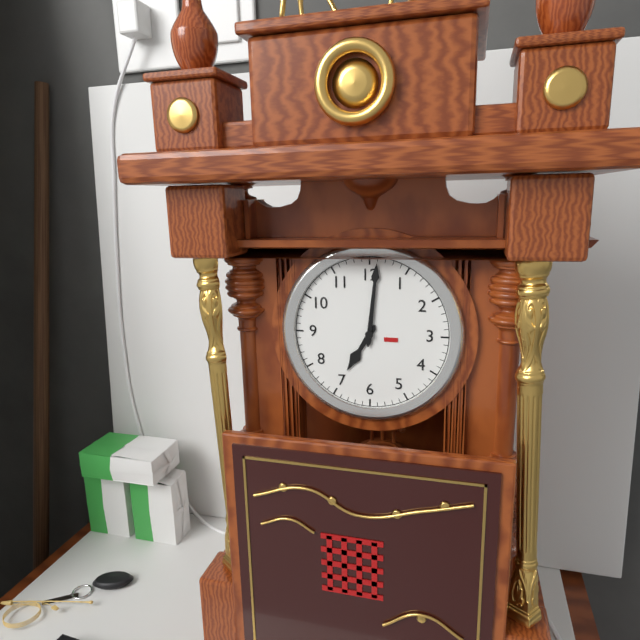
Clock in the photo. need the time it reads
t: 7:01
